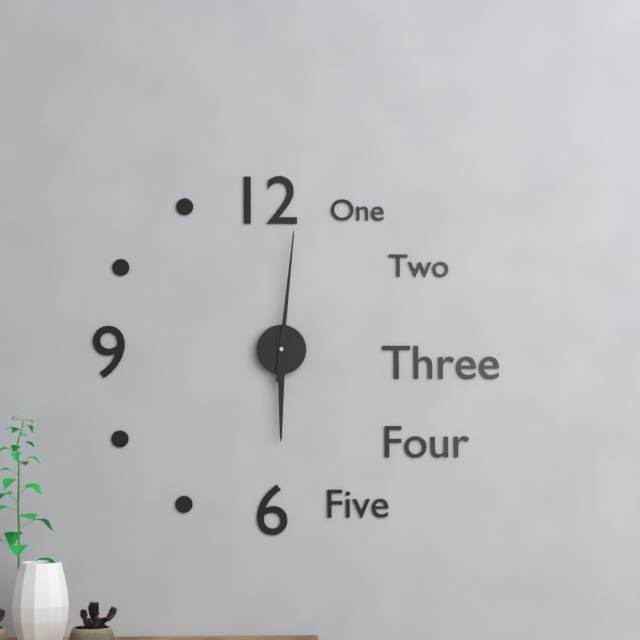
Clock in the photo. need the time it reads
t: 6:01
